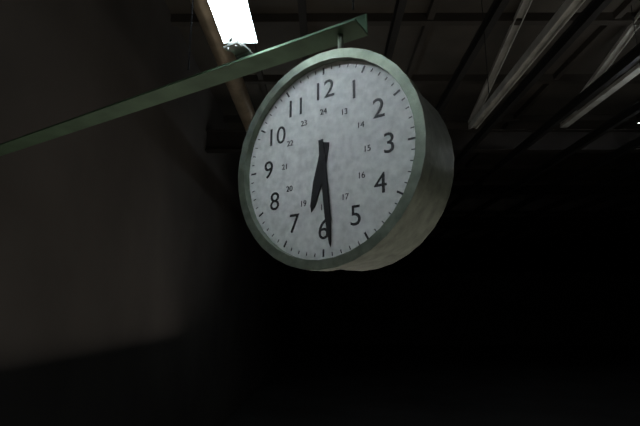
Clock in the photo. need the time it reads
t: 6:29
